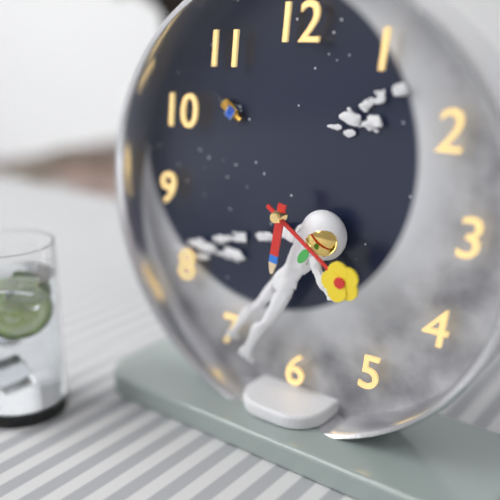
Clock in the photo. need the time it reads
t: 6:21
